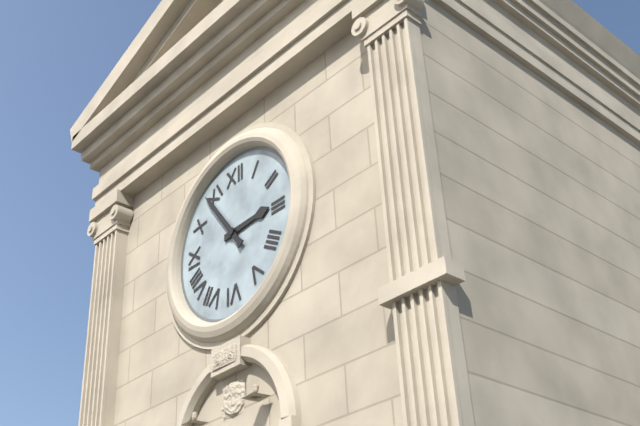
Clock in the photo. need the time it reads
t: 2:54
